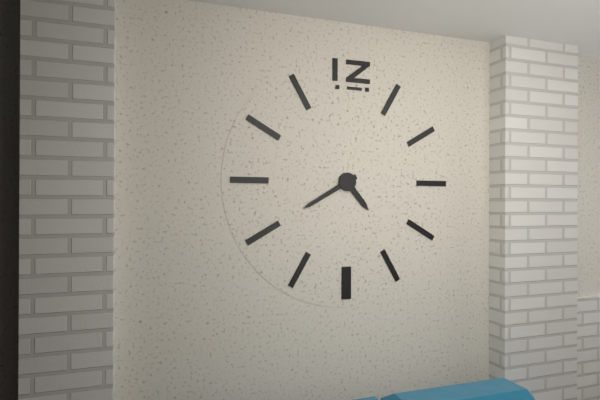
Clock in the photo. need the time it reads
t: 4:40
